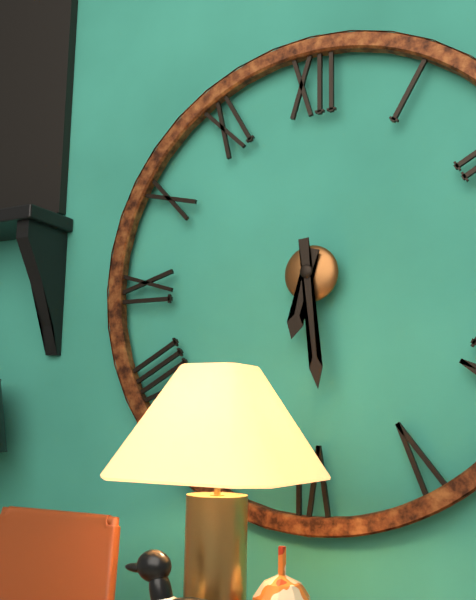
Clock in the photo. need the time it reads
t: 6:29
